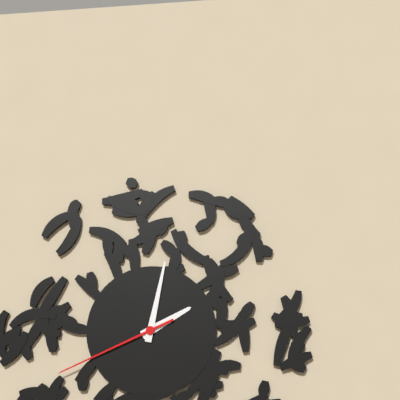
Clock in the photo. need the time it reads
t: 2:02:41
